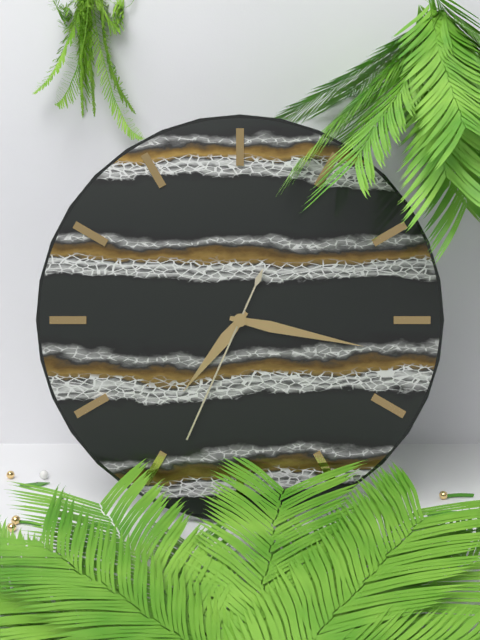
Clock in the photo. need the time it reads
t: 7:17:34
